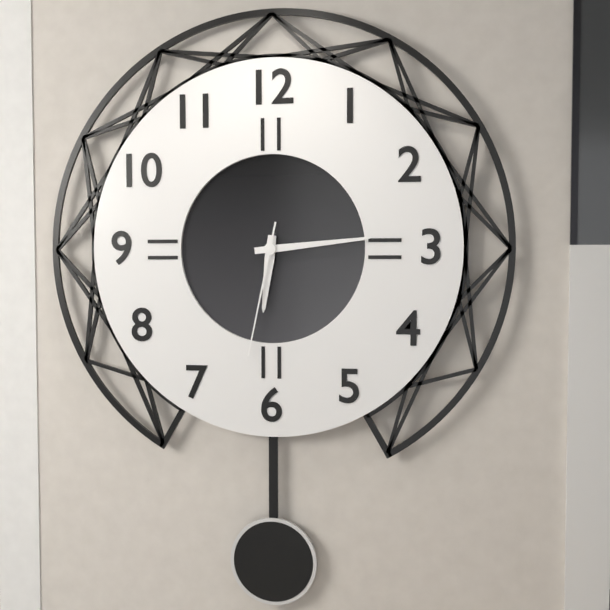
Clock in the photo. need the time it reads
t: 6:14:32
